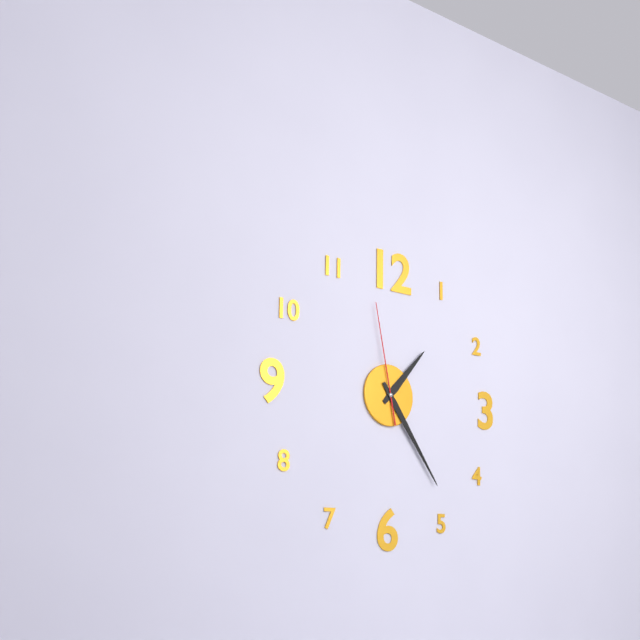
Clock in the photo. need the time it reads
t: 1:24:58
